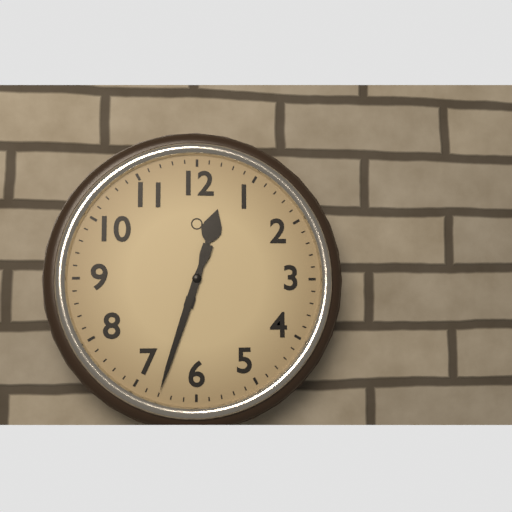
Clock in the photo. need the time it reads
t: 12:33
